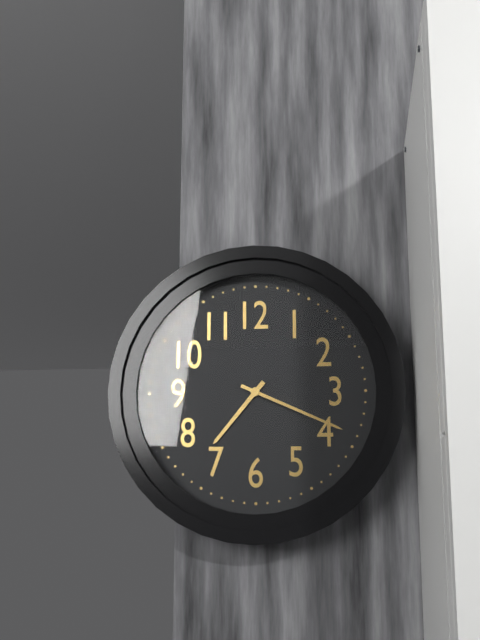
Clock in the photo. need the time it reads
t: 7:19
